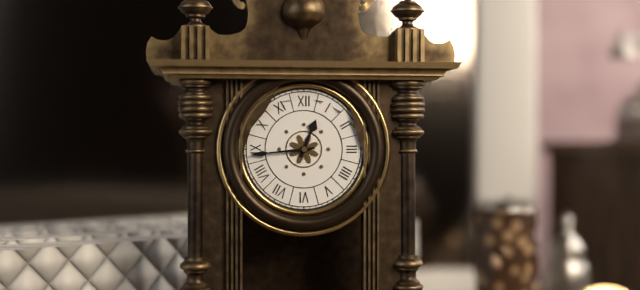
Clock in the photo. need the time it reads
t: 12:44
